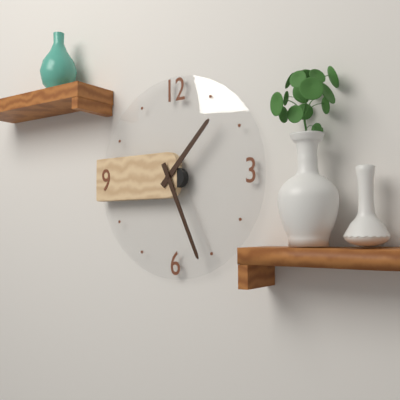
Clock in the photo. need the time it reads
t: 1:26
